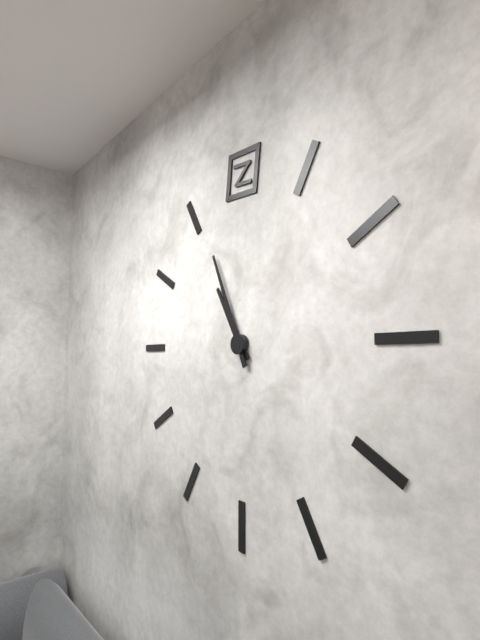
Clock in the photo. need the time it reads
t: 10:56
